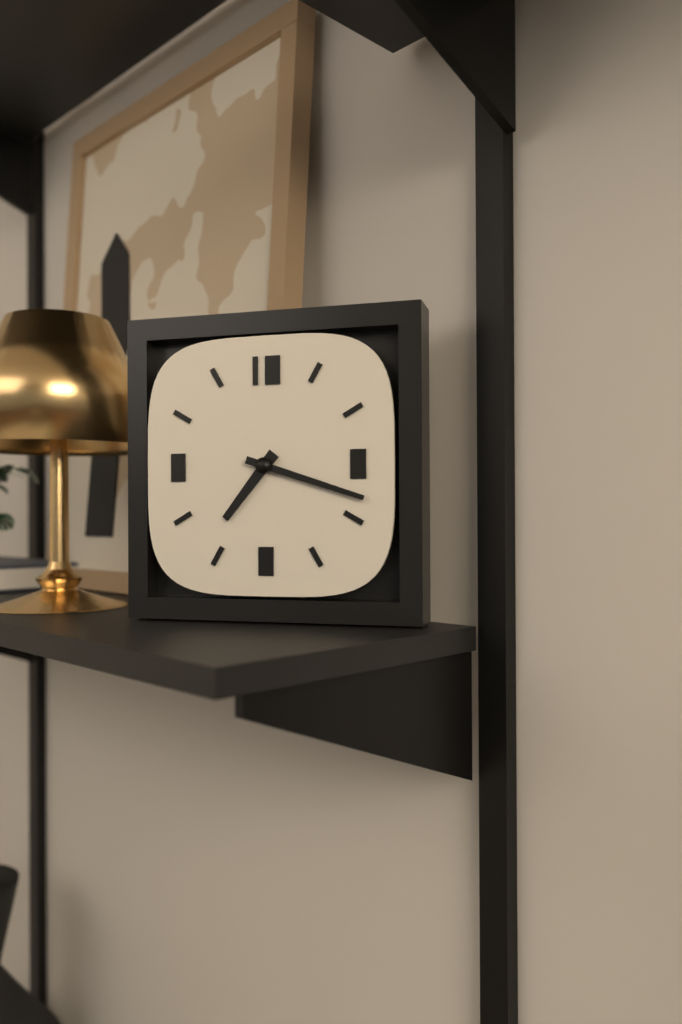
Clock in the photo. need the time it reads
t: 7:18
